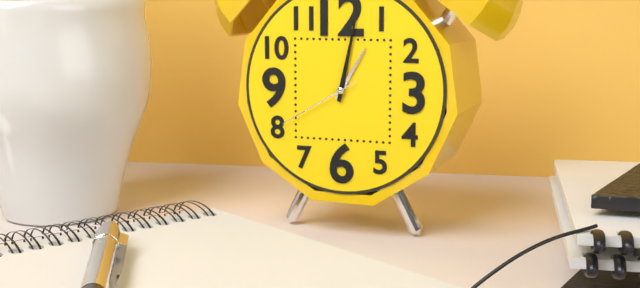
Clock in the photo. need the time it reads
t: 1:02:40
